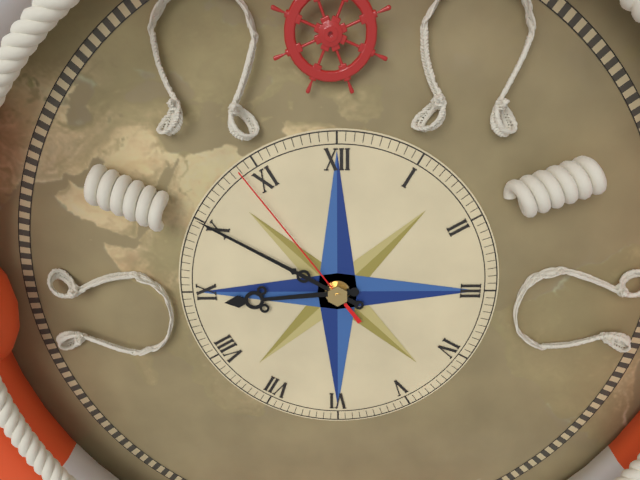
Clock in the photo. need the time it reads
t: 8:50:54
